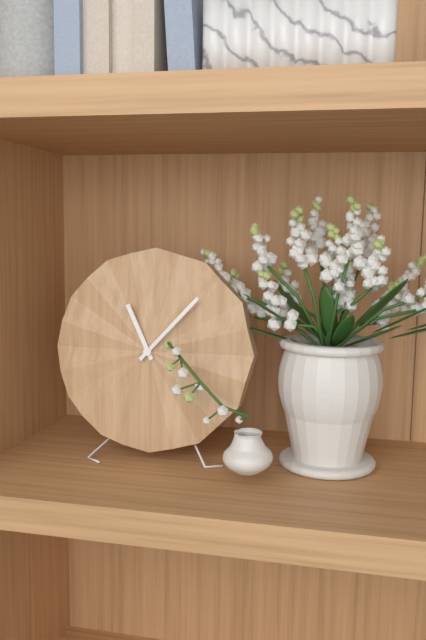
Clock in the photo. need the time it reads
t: 11:07
